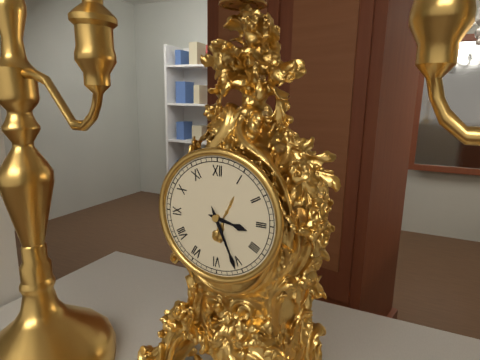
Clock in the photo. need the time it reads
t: 3:26
